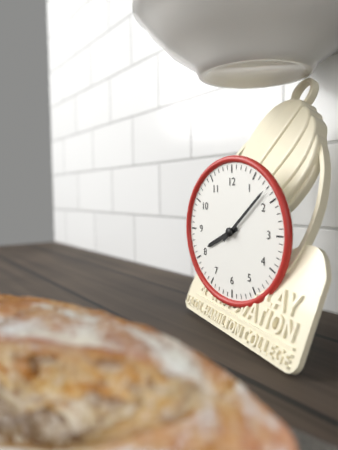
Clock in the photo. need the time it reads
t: 8:08
